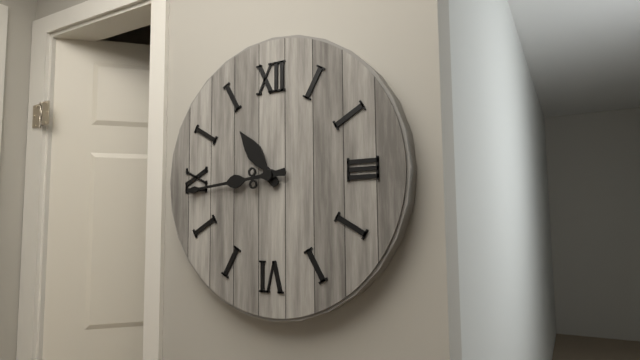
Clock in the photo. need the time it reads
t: 10:44
